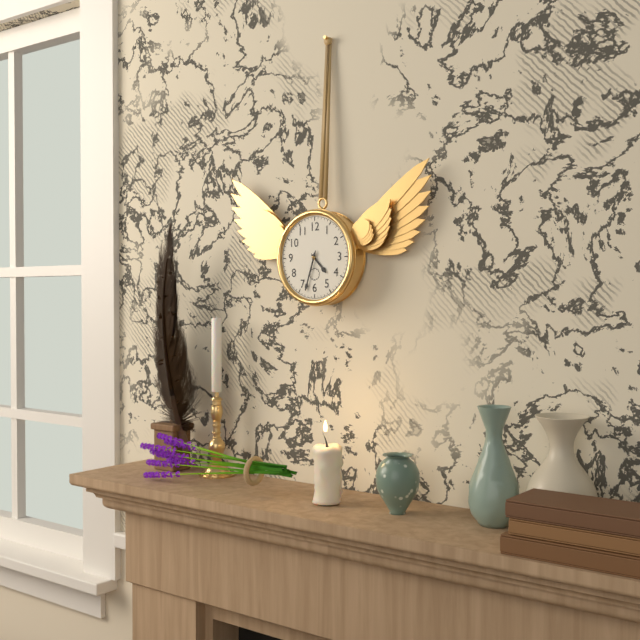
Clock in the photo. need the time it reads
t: 4:33
